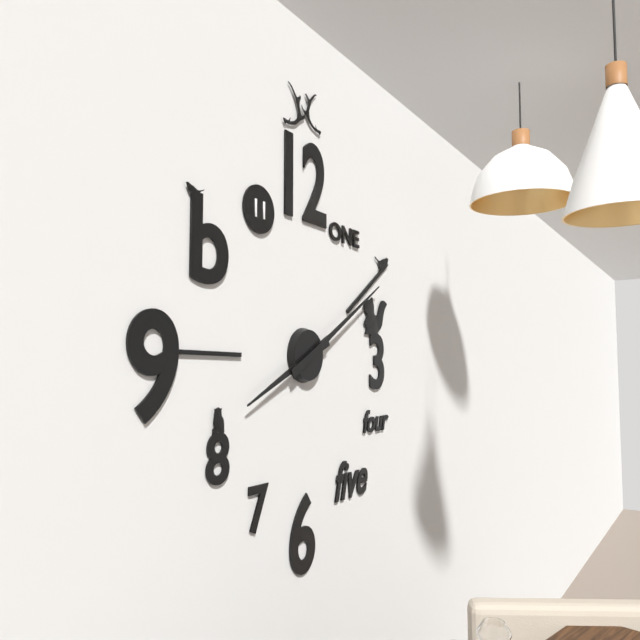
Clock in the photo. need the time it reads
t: 8:10
